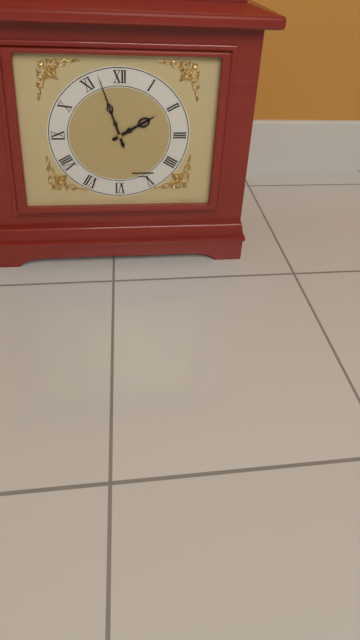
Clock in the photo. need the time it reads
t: 1:57
